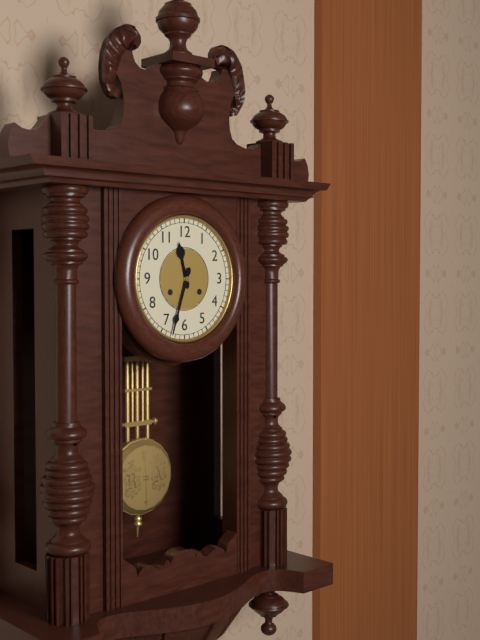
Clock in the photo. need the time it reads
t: 11:33
